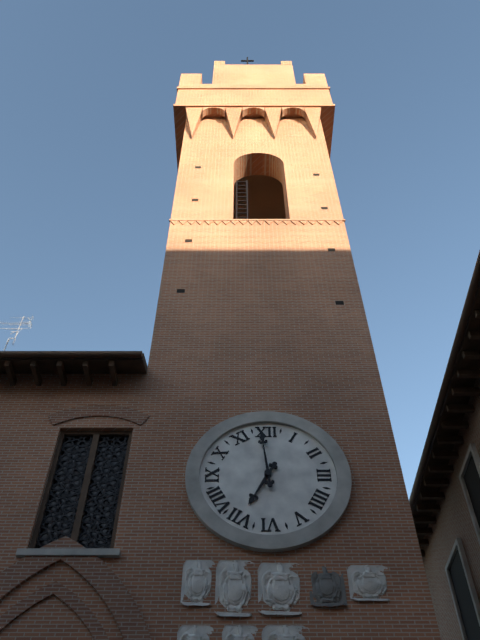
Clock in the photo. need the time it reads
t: 6:59
